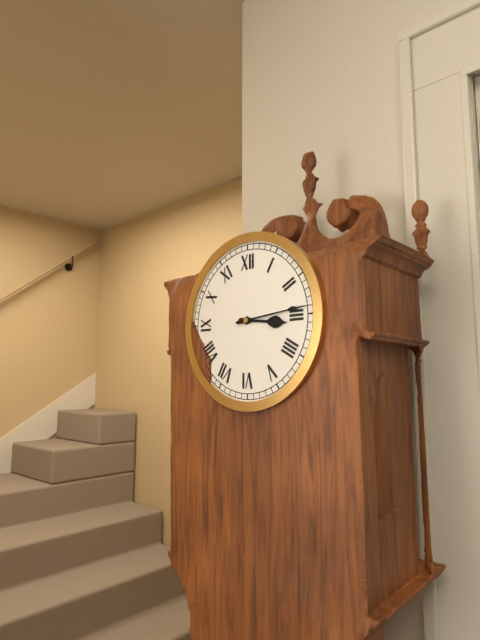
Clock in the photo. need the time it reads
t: 3:14
